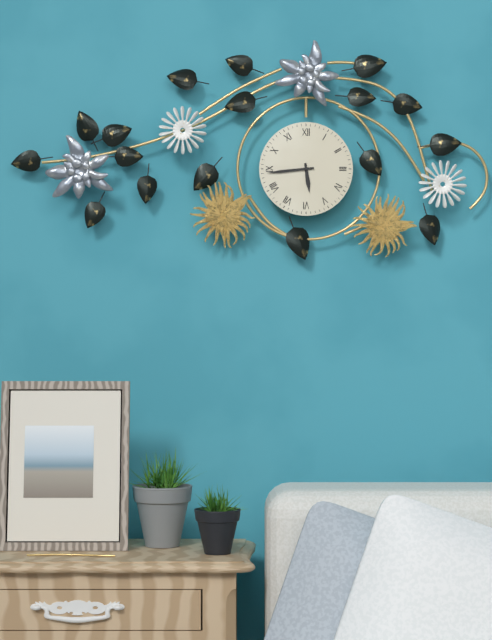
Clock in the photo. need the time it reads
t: 5:44
